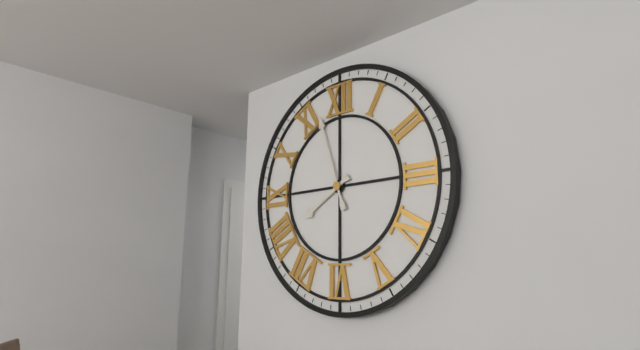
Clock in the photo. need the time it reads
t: 7:57
